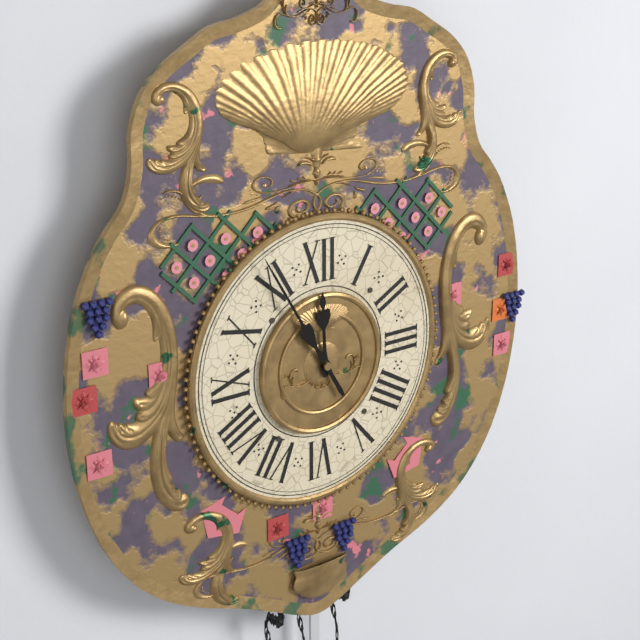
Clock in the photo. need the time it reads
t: 11:55
